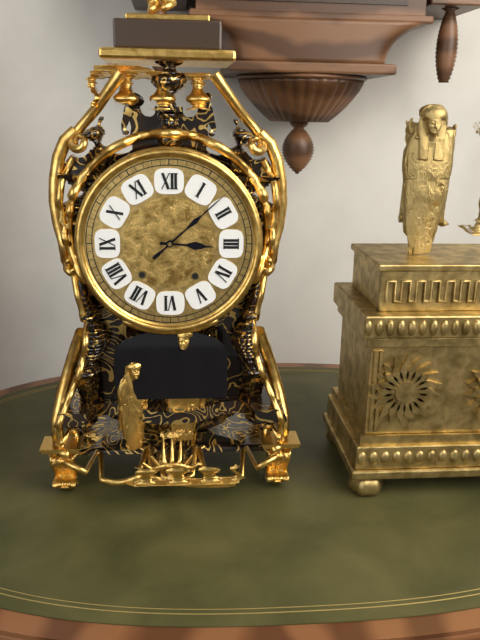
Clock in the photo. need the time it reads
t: 3:08
